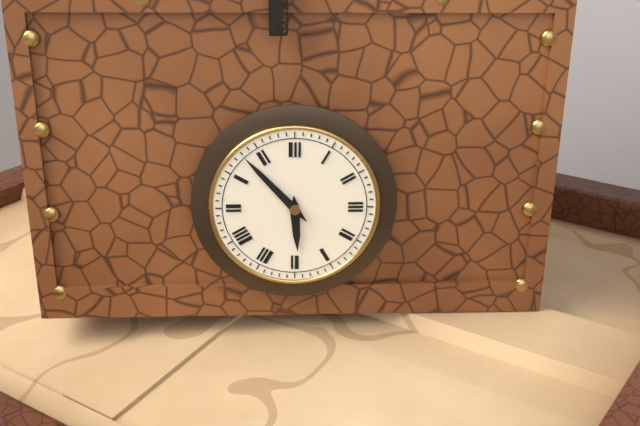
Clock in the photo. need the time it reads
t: 5:53
